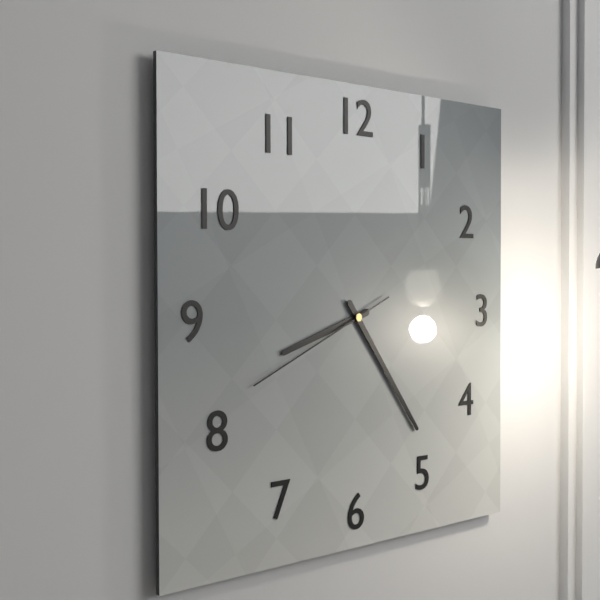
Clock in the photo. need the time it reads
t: 8:24:41
